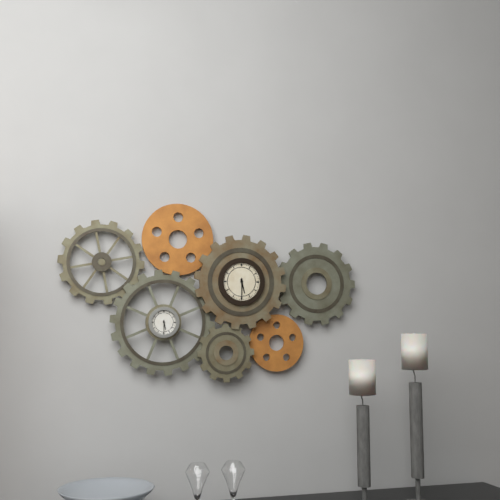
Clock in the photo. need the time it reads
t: 5:30
